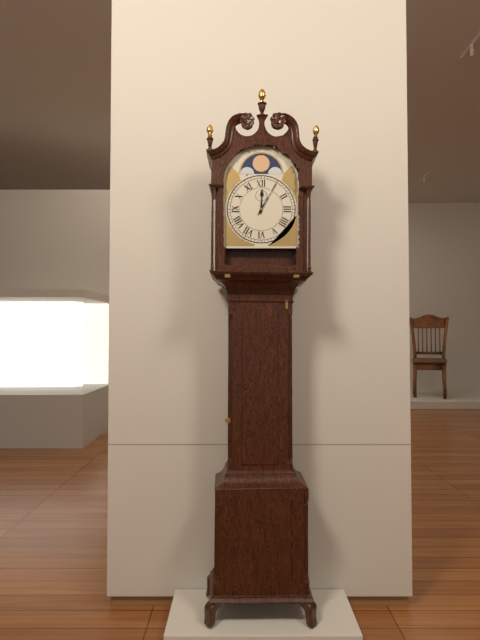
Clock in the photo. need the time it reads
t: 12:05
